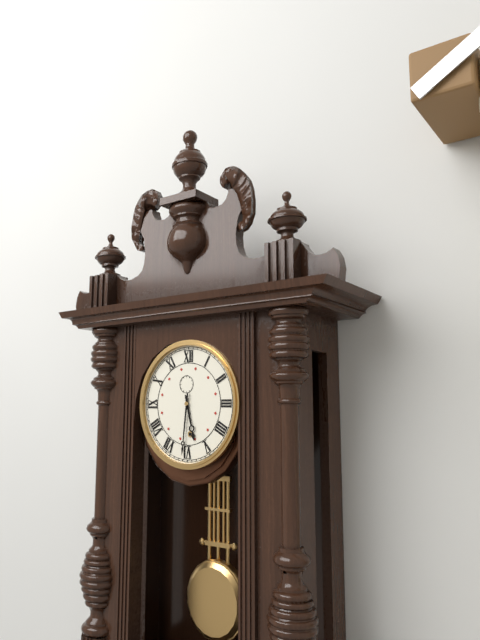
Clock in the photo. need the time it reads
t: 5:31
